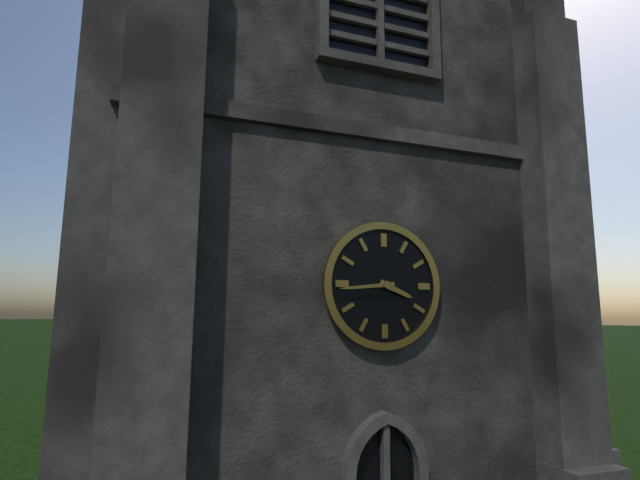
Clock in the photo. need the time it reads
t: 3:44
